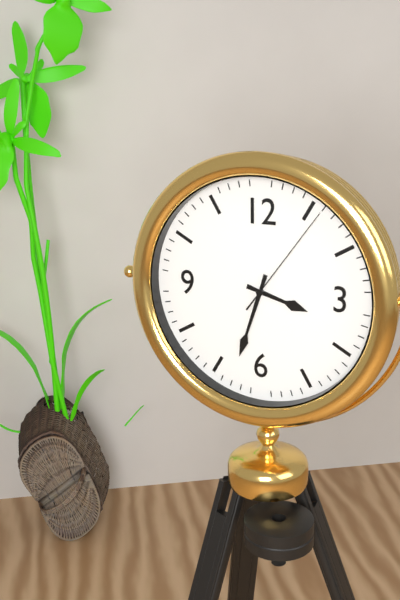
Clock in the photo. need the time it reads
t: 3:33:06
